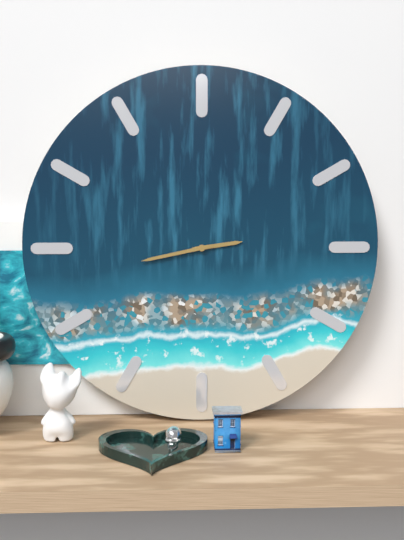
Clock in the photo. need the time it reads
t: 2:43
